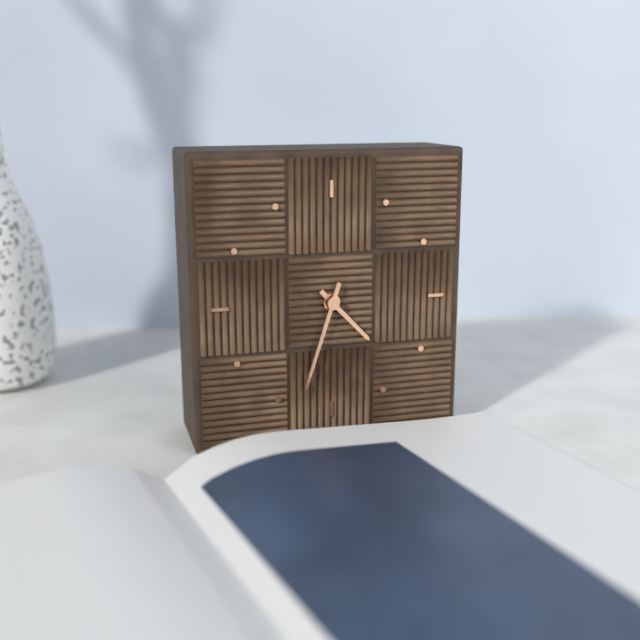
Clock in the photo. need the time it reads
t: 4:33
